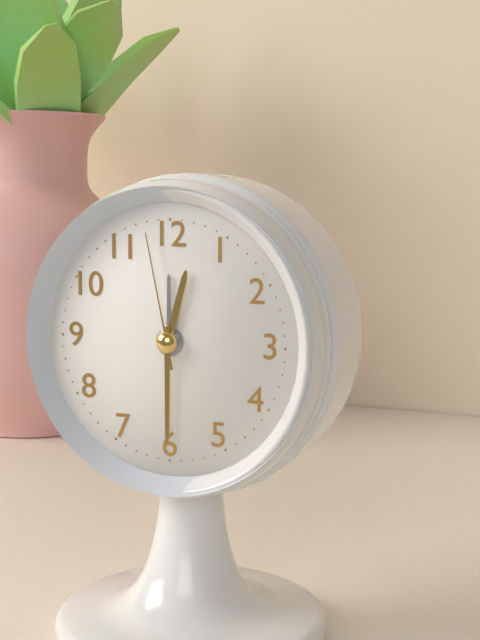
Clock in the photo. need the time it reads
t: 12:30:58
